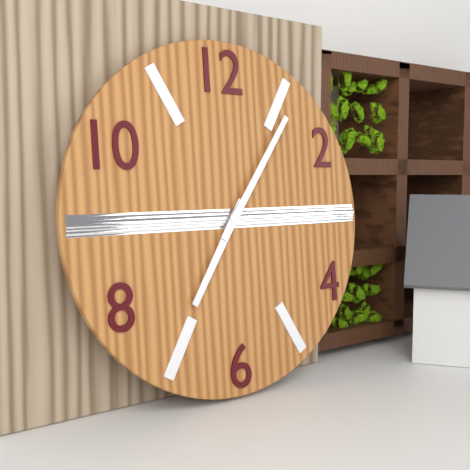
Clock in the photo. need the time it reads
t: 7:06
